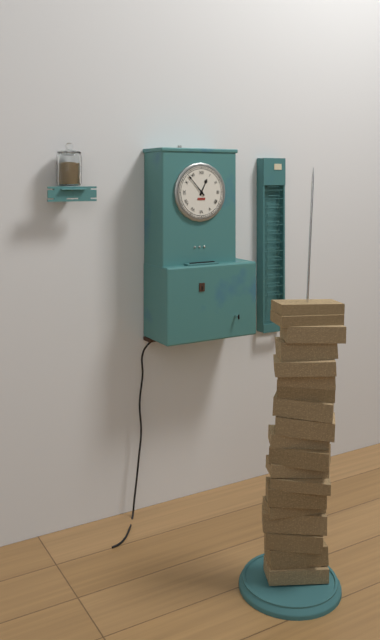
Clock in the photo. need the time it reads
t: 12:53
